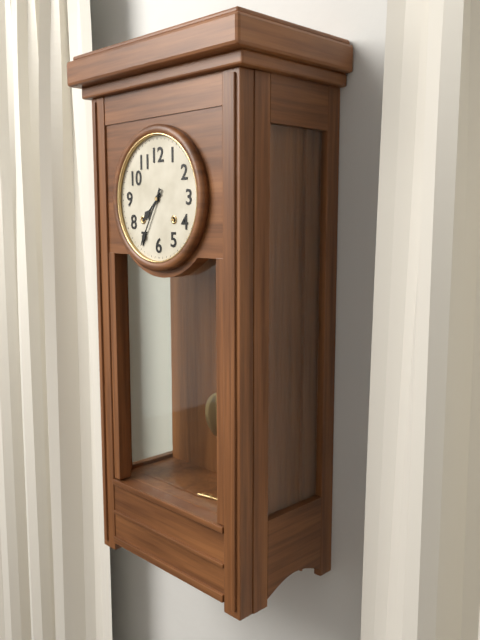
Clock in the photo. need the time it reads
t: 7:35
